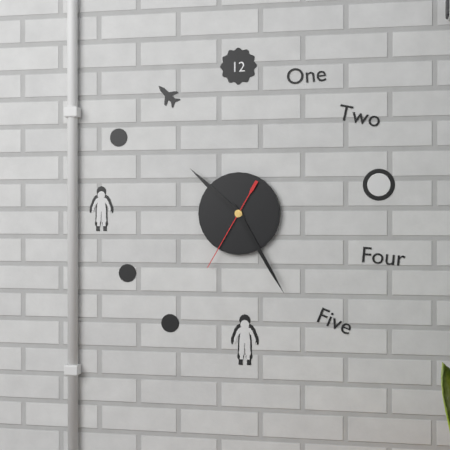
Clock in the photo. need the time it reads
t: 10:25:35
